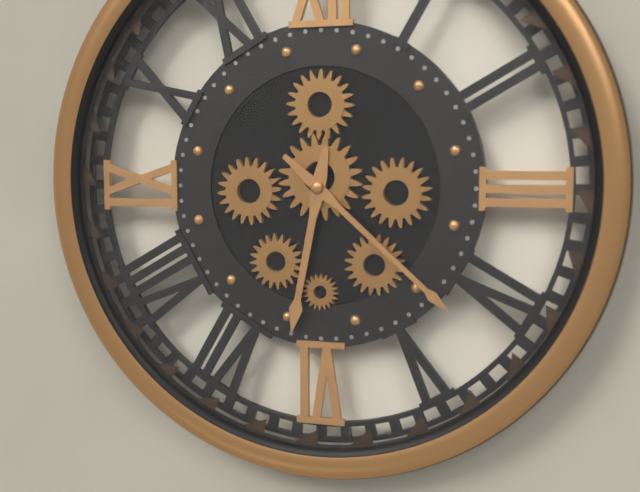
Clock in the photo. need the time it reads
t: 6:22
